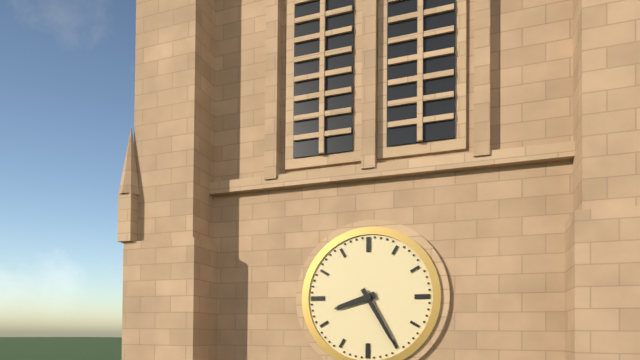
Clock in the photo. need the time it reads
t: 8:25
